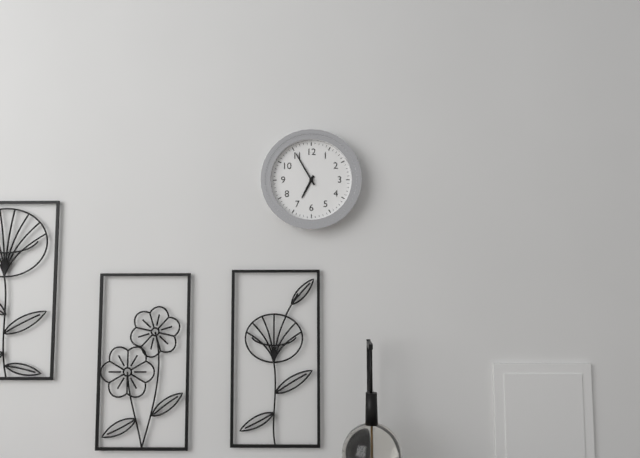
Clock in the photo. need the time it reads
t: 6:55
